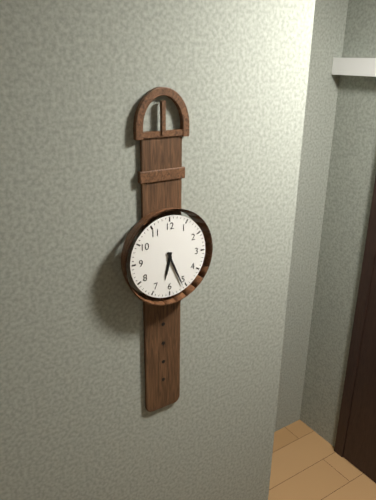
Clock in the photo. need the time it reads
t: 6:26
